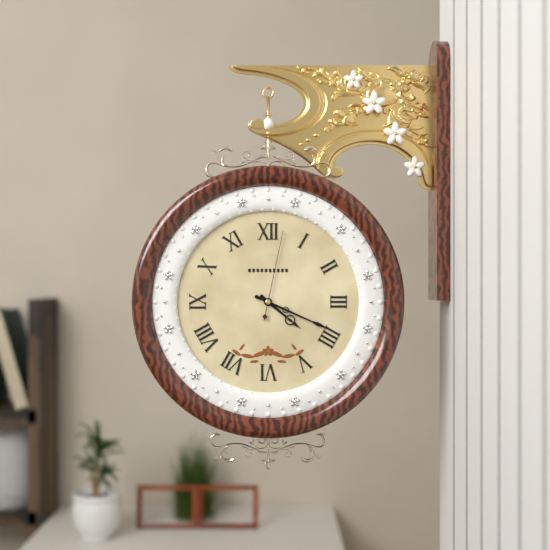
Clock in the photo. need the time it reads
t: 4:19:02
